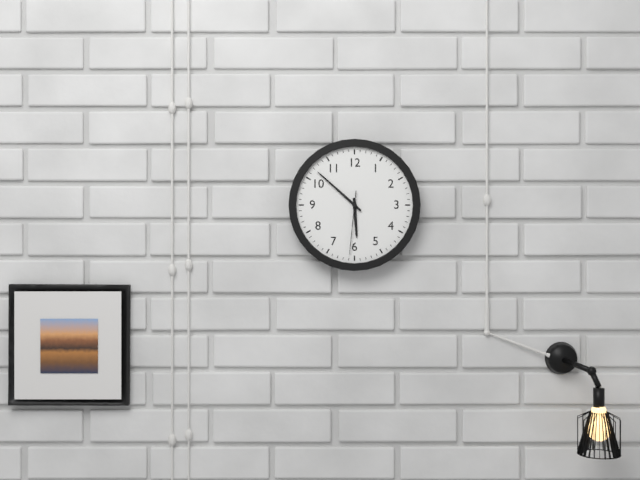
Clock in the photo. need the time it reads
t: 5:52:31
